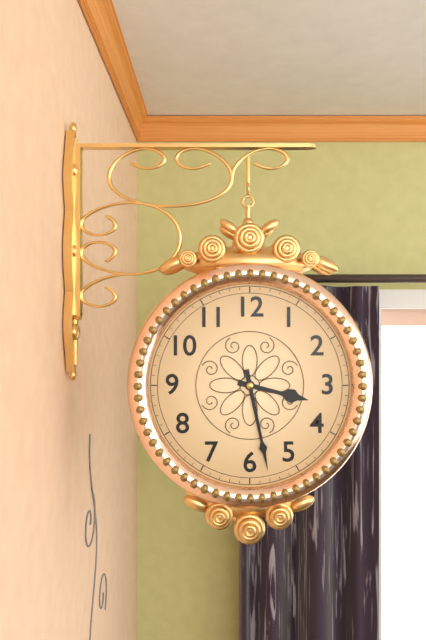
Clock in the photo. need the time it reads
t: 3:28
